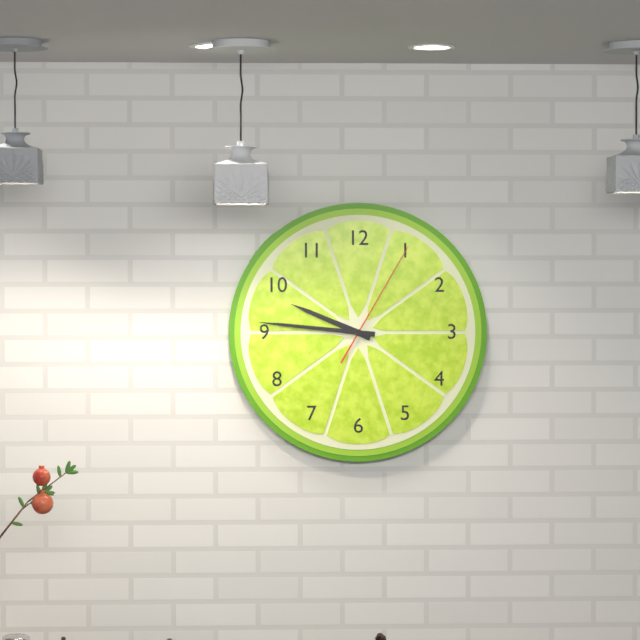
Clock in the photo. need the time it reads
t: 9:46:05
